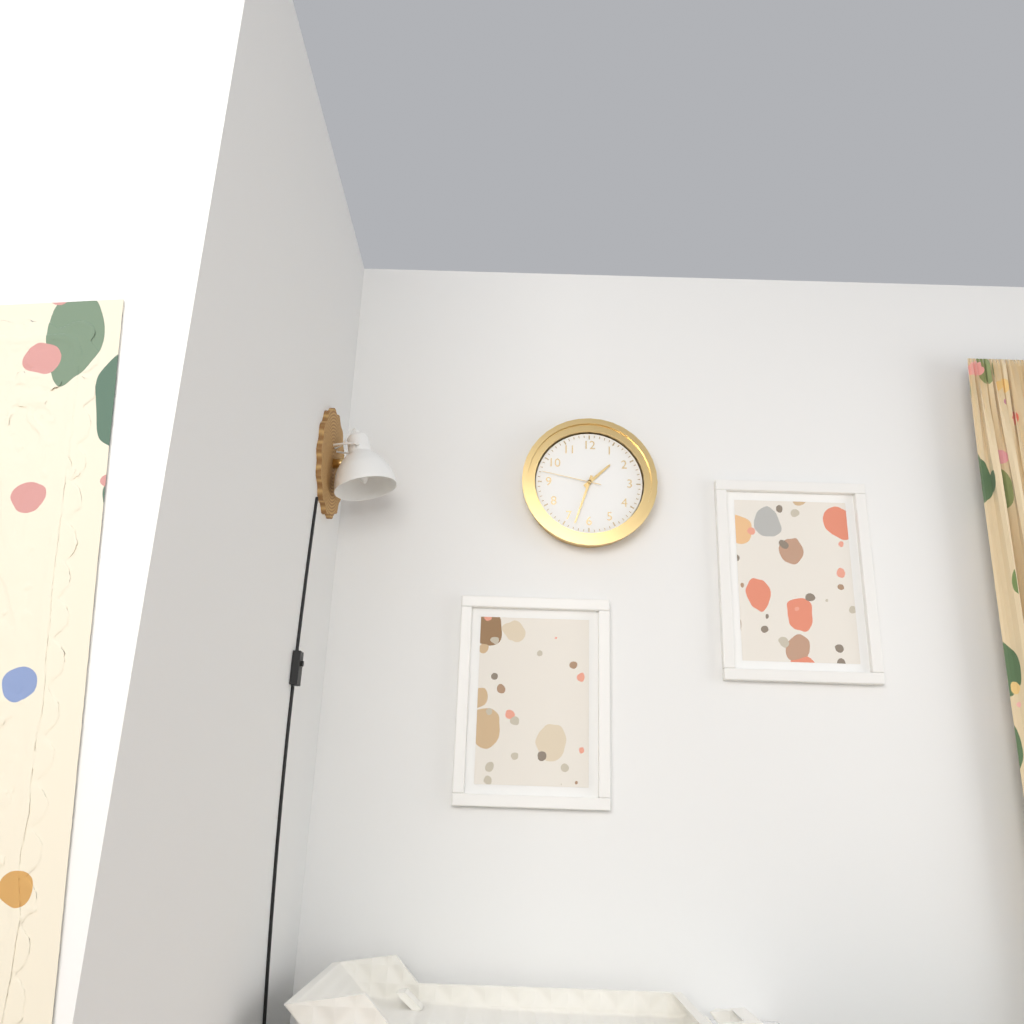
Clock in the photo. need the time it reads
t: 1:33:47
